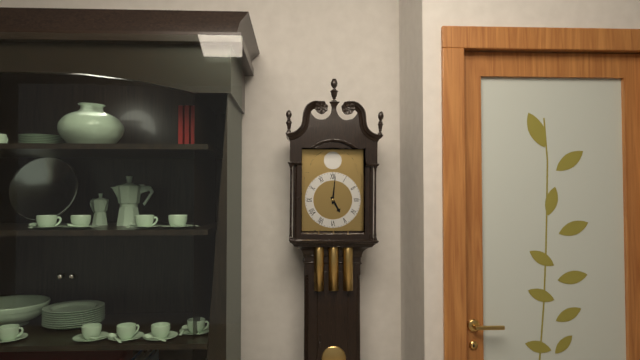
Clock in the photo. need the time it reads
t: 5:01
